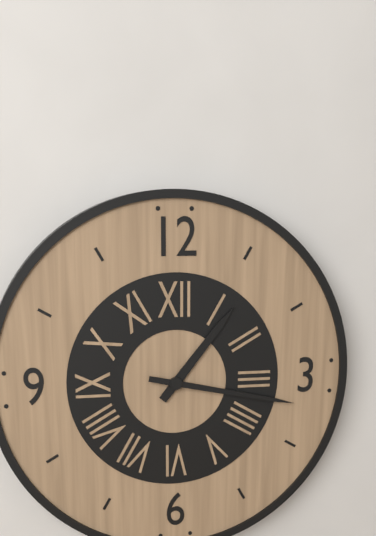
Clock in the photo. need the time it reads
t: 1:17
